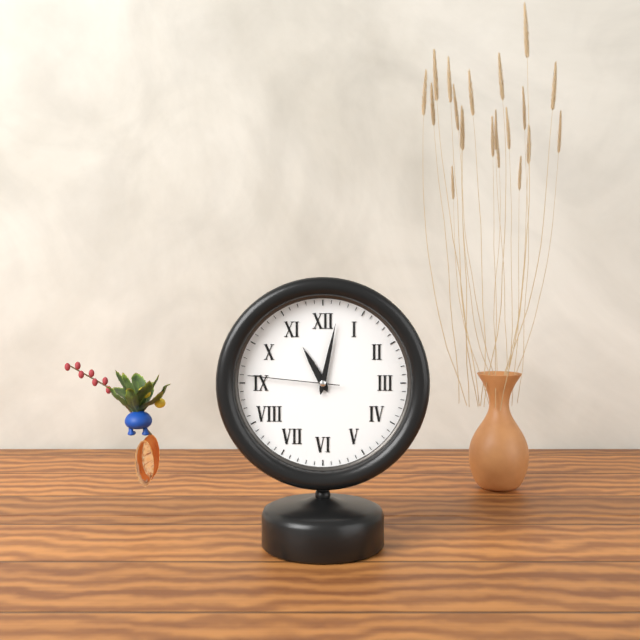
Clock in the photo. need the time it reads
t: 11:02:46
